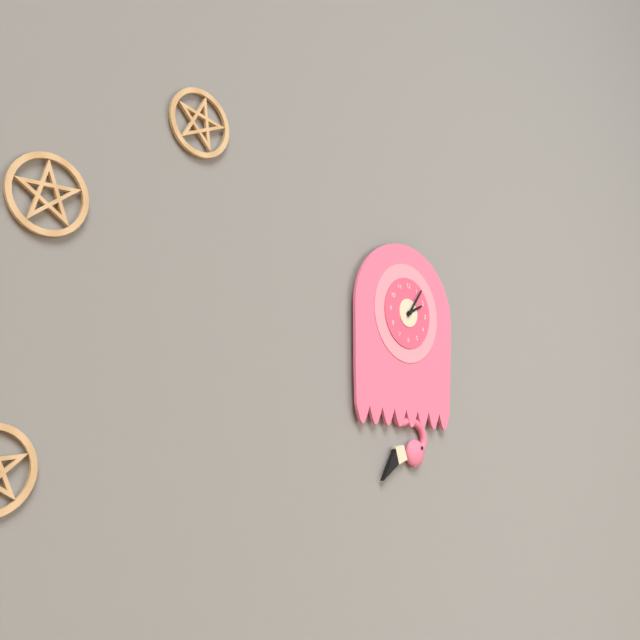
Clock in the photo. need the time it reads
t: 2:06
